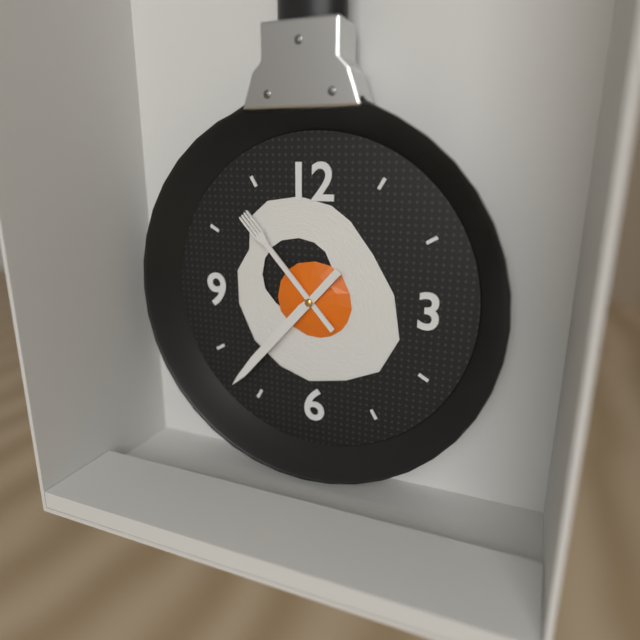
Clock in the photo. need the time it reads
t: 10:37
